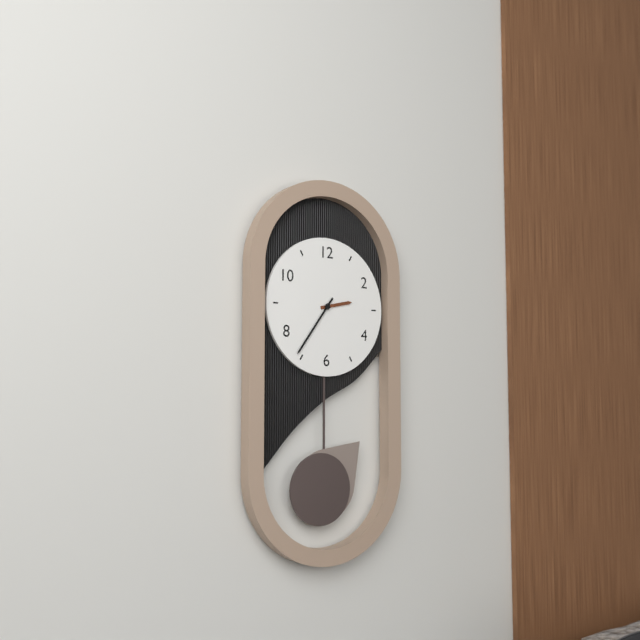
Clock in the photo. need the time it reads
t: 2:36
